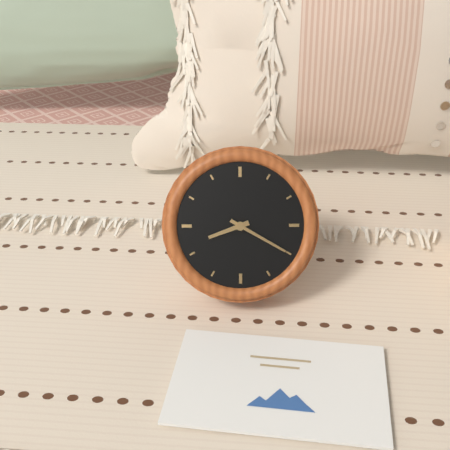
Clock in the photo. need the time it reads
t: 8:20
